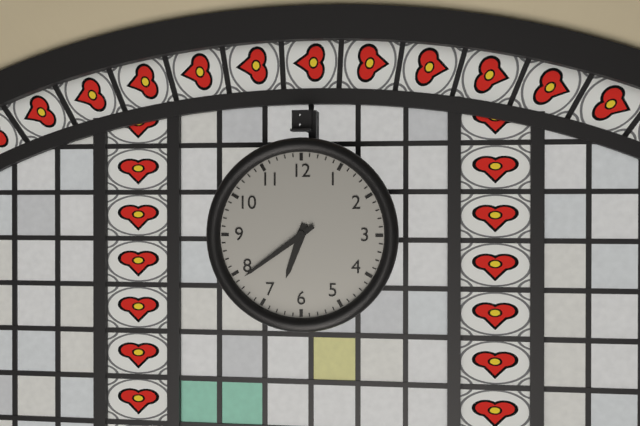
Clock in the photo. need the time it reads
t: 6:39
